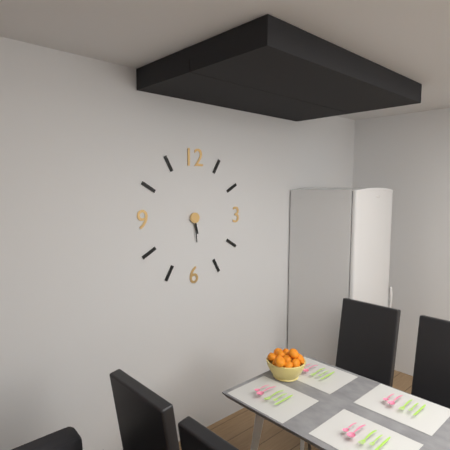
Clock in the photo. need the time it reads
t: 5:29
